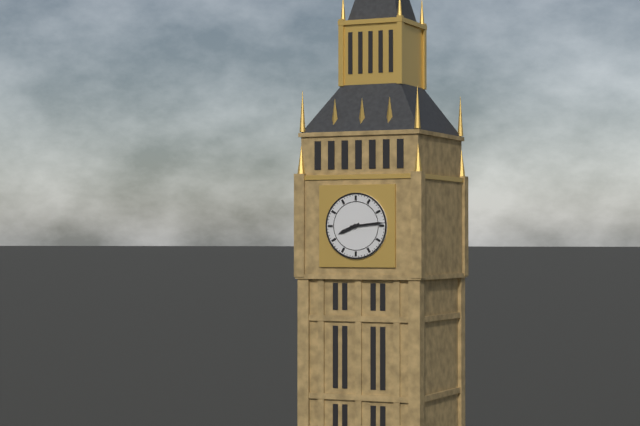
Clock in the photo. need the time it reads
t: 8:14
